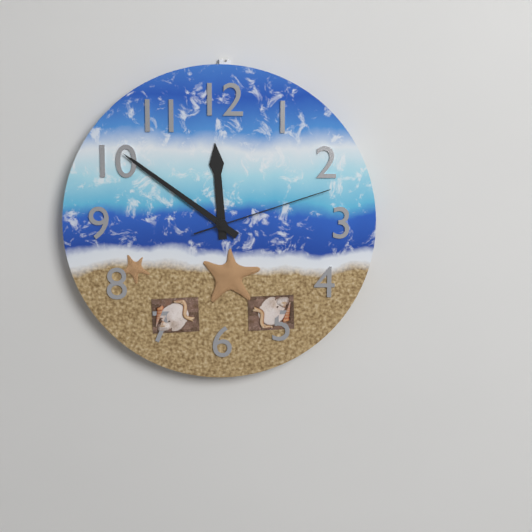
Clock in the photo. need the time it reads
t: 11:51:12
